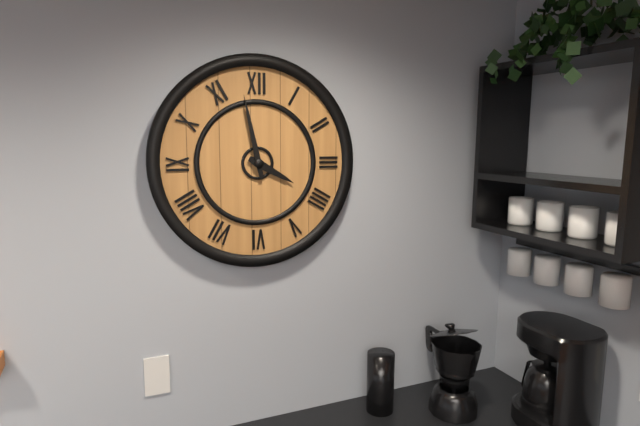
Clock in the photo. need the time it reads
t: 3:58
